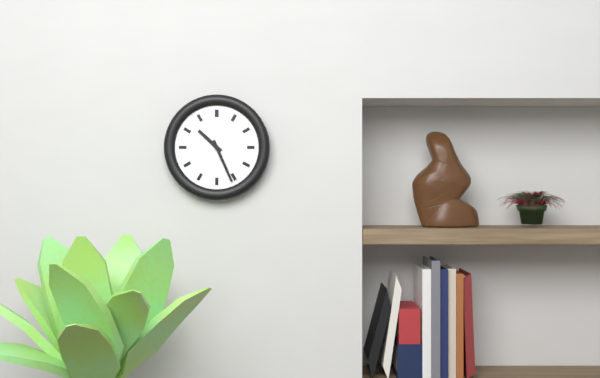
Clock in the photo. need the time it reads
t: 10:26
